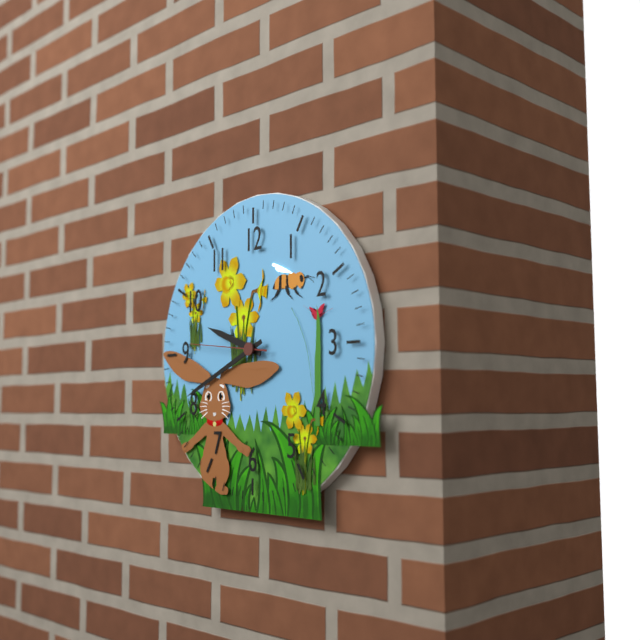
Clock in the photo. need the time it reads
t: 9:41:46
